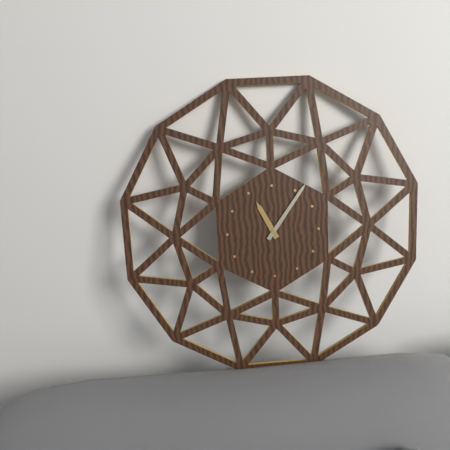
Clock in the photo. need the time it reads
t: 11:06
